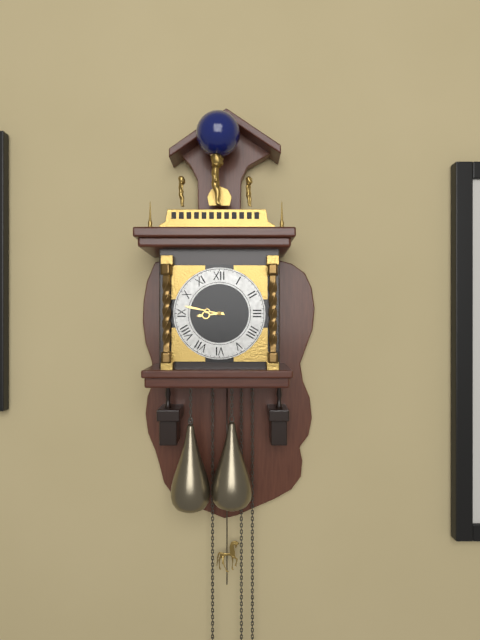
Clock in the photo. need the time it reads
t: 8:47
